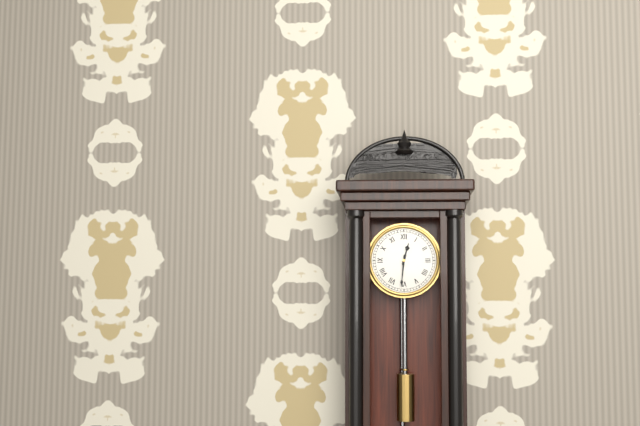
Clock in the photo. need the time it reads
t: 12:31
